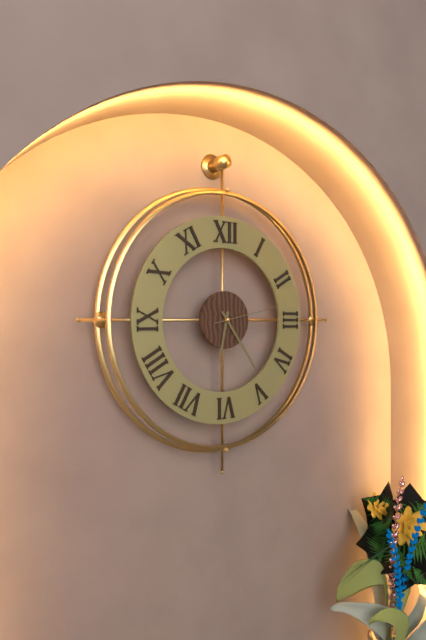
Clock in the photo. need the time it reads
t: 6:24:13
